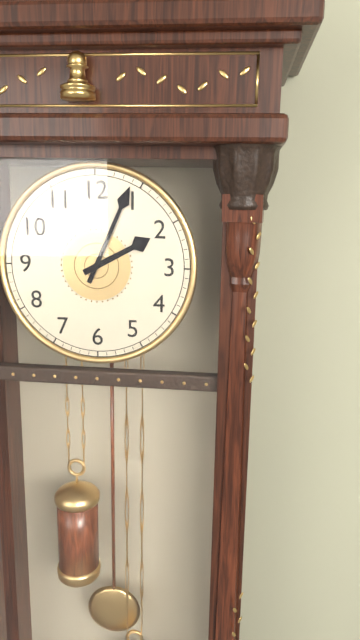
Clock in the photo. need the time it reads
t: 2:04
